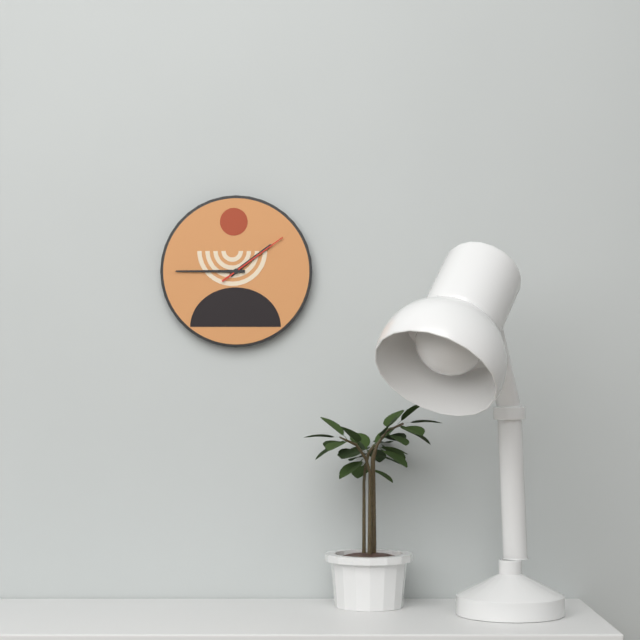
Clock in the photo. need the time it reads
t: 1:45:09
